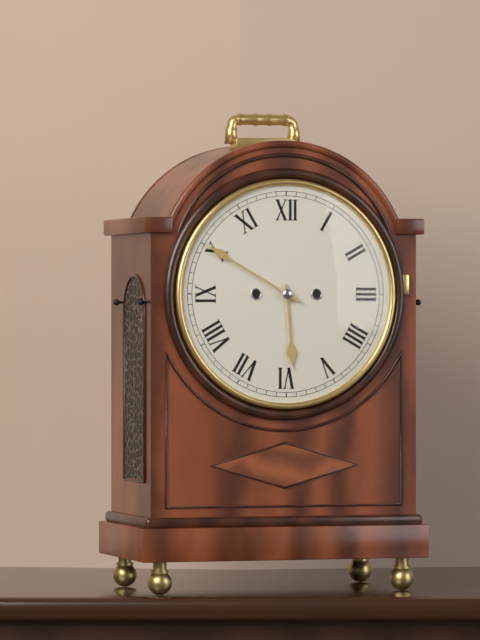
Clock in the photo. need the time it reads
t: 5:50
